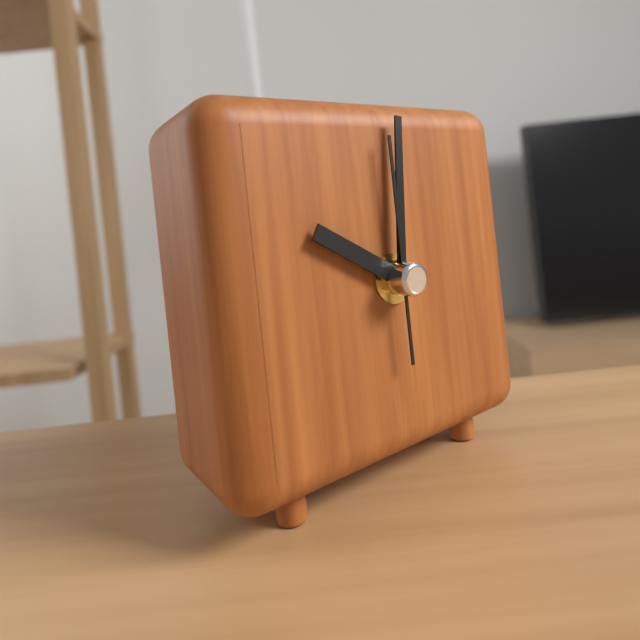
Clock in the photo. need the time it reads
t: 10:01:00
